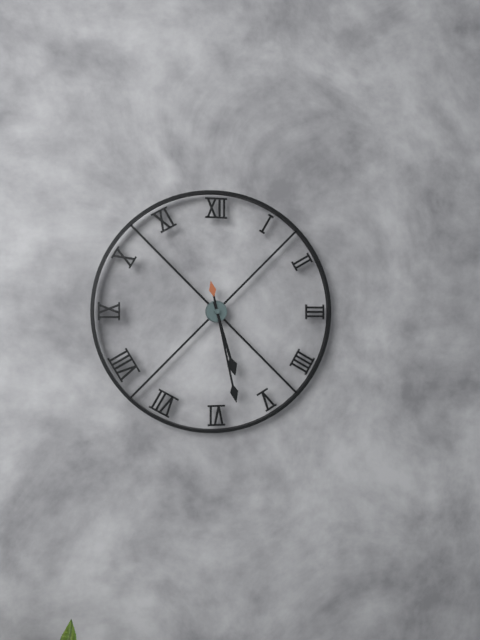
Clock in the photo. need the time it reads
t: 5:28
